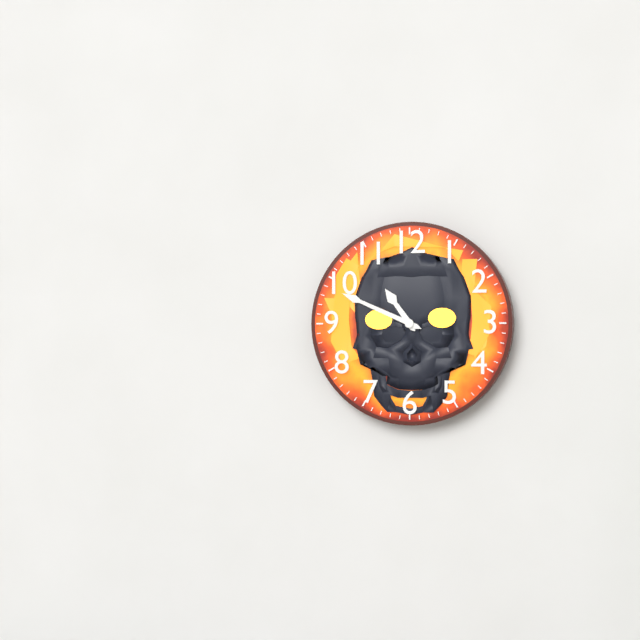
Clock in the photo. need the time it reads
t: 10:49
